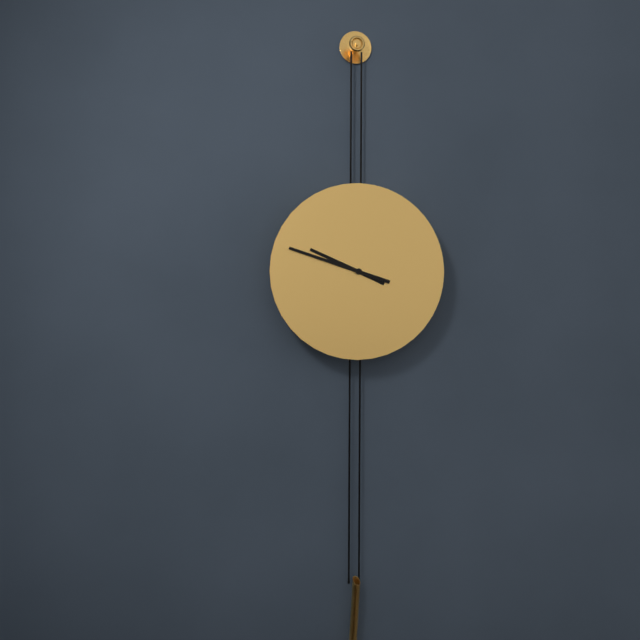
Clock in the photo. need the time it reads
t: 9:48
